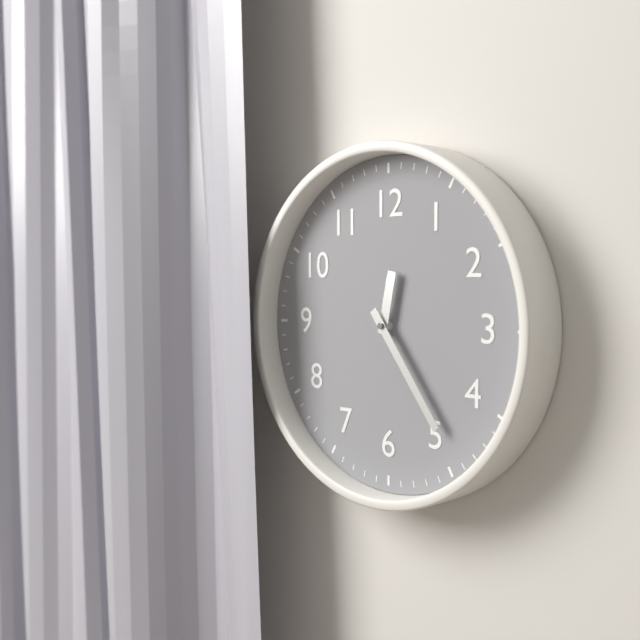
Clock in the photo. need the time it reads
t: 12:24
